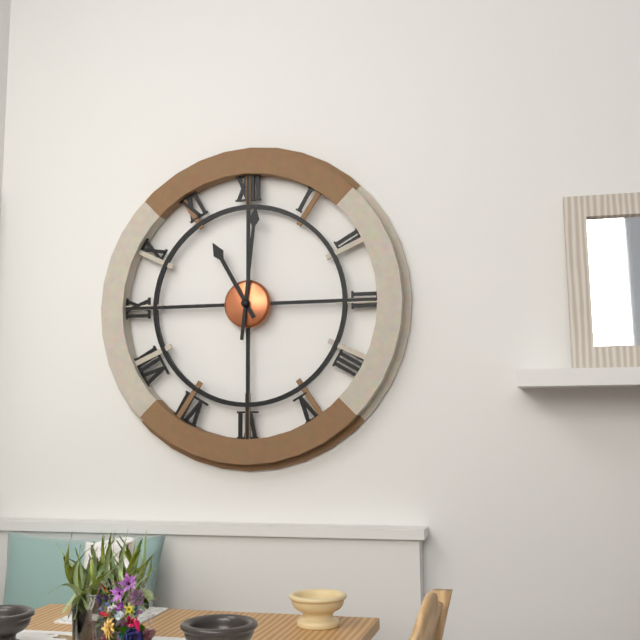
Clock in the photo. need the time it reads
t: 11:01
